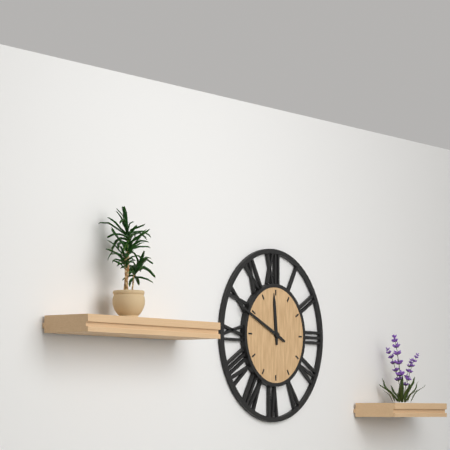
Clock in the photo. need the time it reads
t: 11:49
